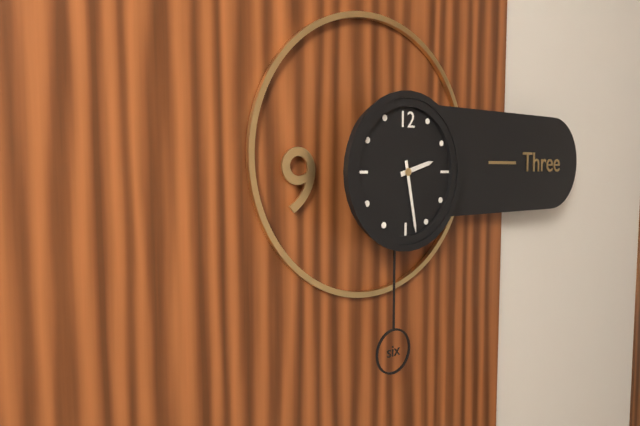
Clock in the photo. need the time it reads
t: 2:28
